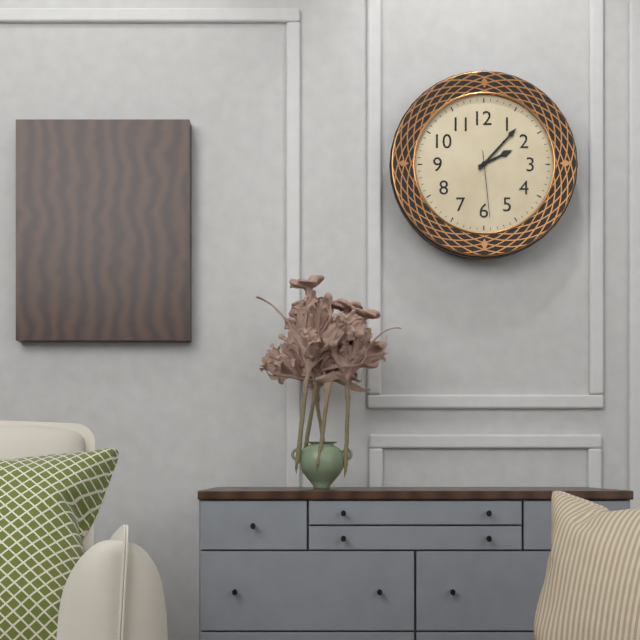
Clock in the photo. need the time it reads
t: 2:07:29
